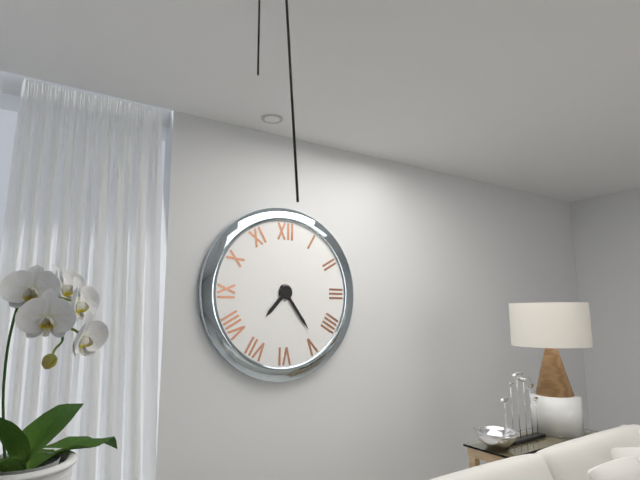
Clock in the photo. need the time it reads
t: 7:24
